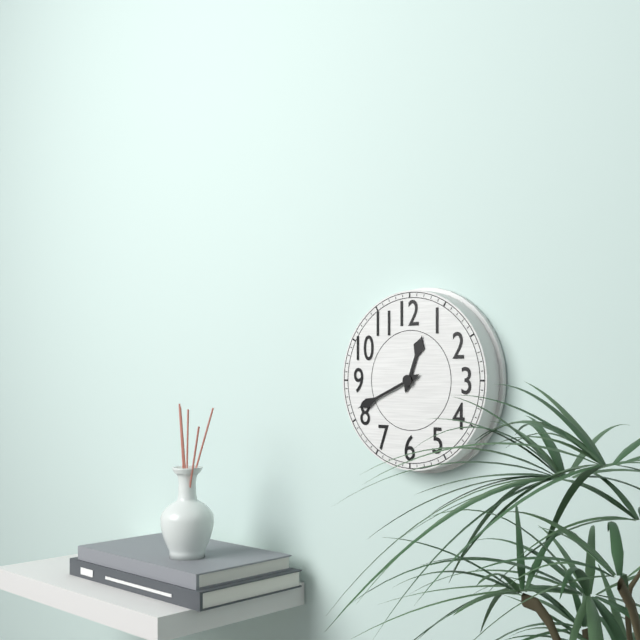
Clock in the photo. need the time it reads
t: 12:41
